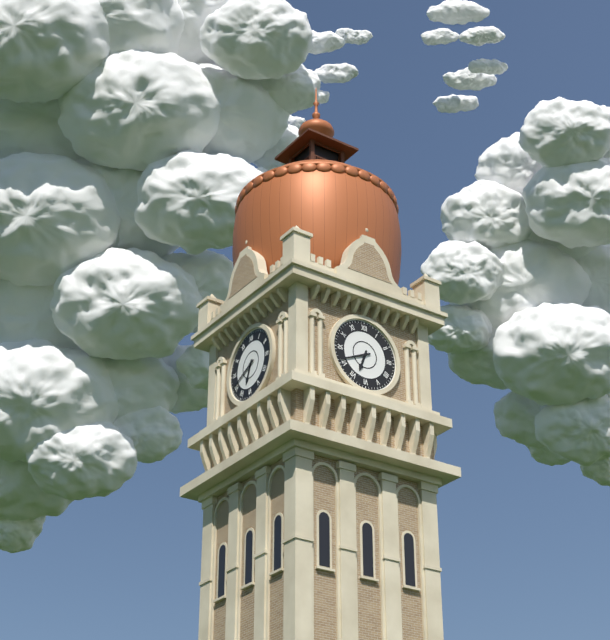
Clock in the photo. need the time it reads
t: 6:41
